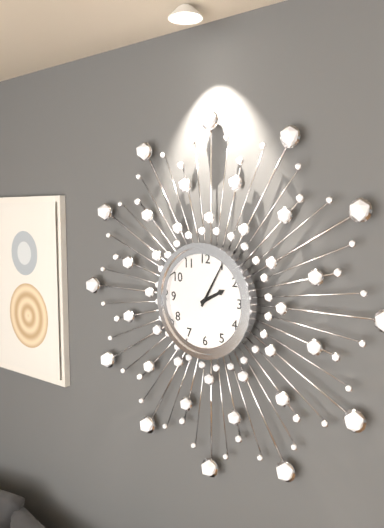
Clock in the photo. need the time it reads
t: 2:05
